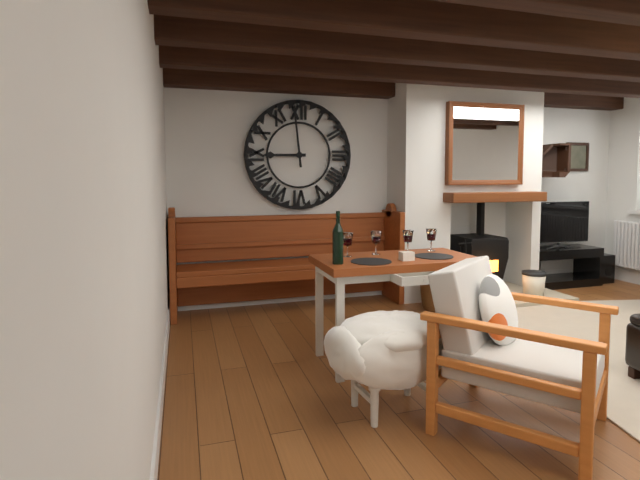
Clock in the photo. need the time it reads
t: 8:59
